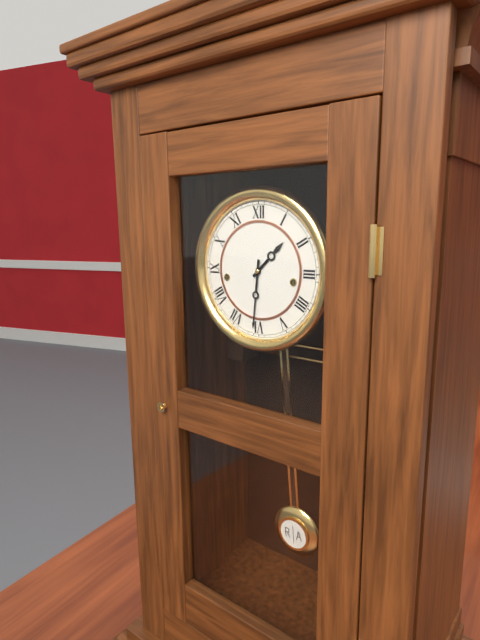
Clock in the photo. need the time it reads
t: 1:31
